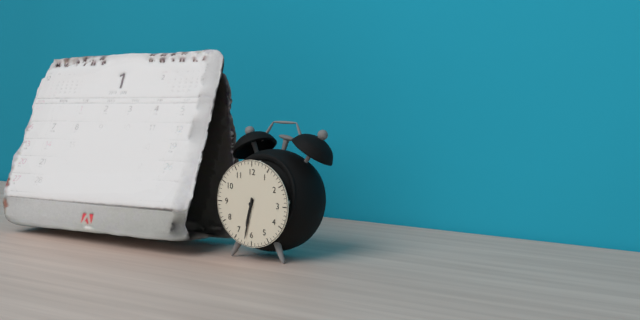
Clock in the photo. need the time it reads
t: 6:32
